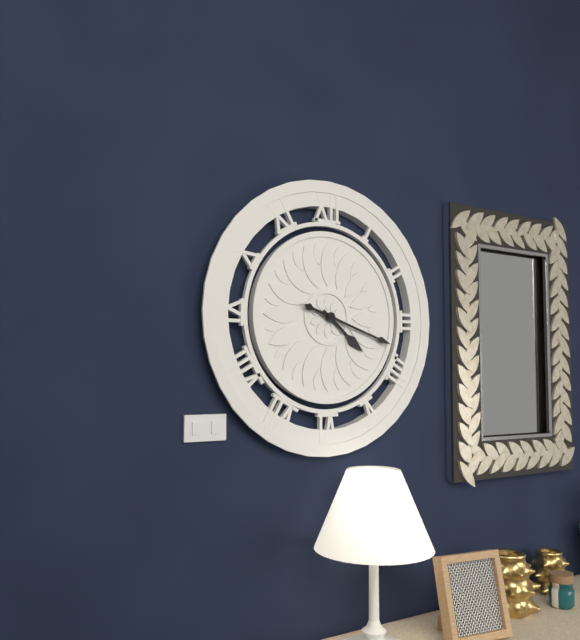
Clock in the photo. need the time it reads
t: 4:18
